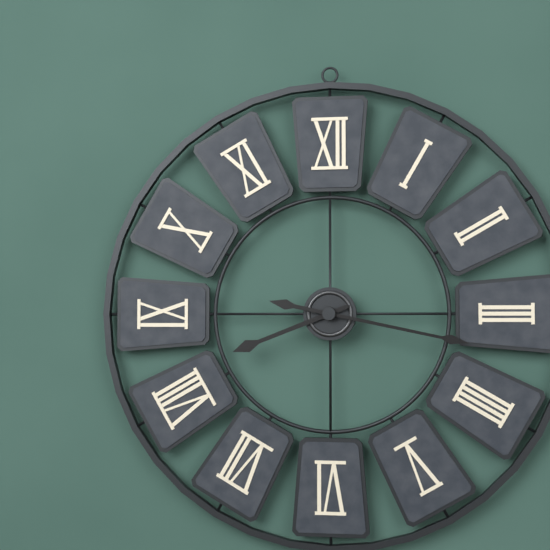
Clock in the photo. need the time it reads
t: 8:17
